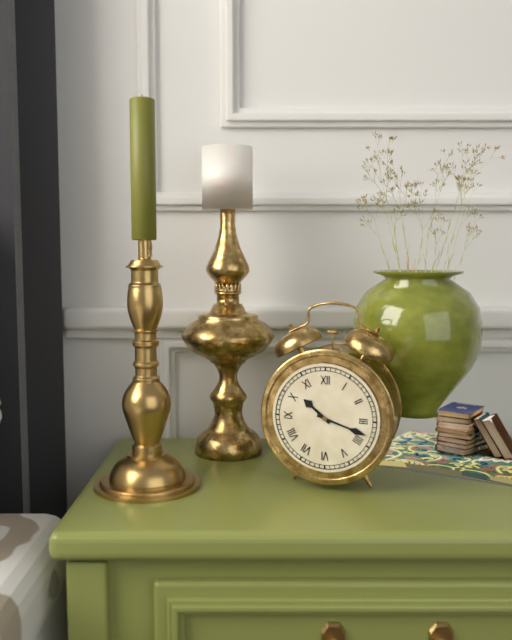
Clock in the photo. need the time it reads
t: 10:18
